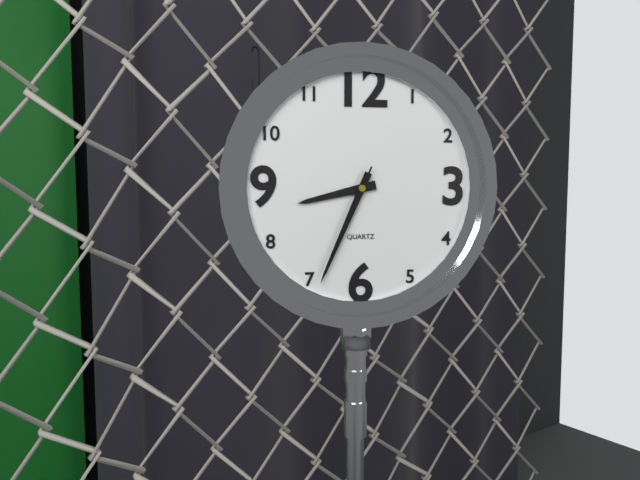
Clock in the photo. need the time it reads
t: 8:34:34
